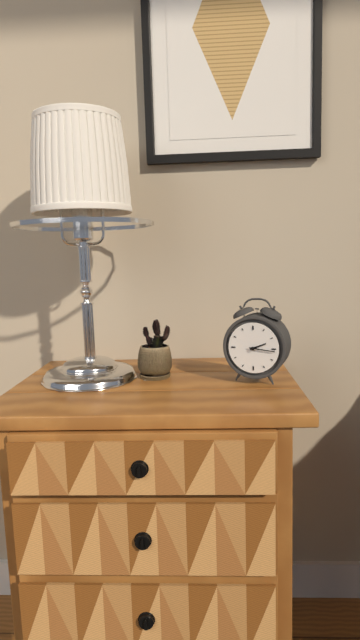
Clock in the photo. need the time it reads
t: 2:16
